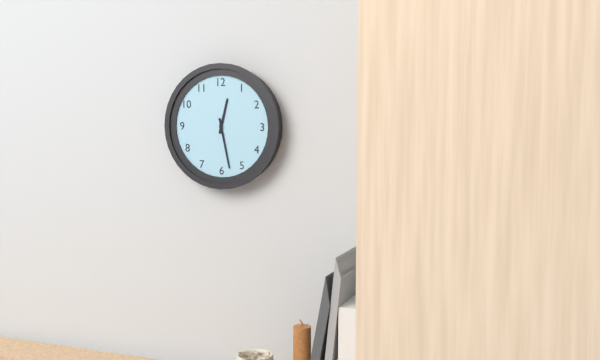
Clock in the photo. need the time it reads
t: 12:28
